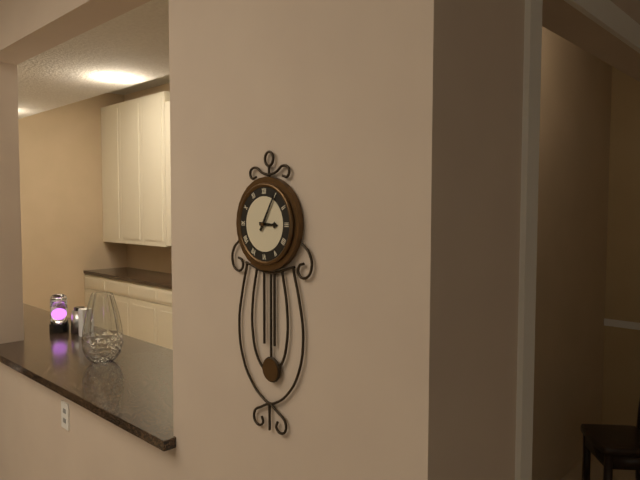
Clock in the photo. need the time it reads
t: 3:05
